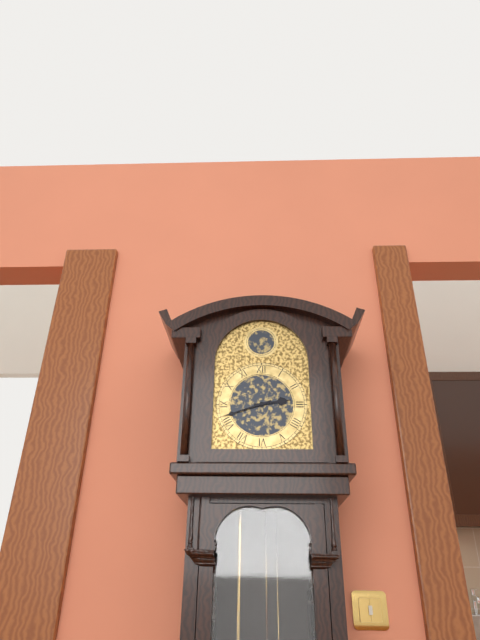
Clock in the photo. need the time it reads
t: 2:42
